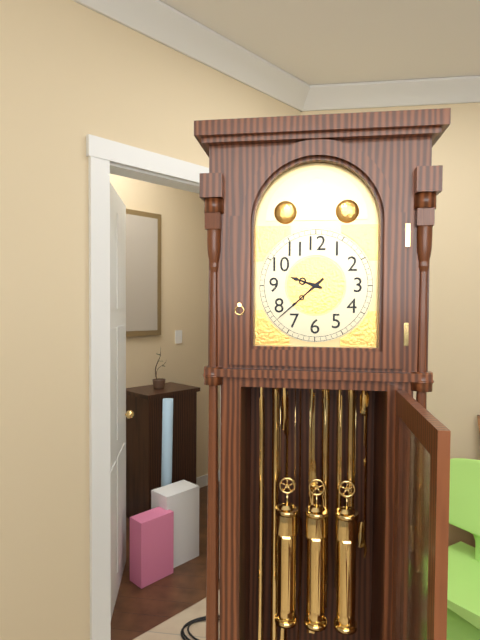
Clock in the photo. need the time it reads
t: 9:38
